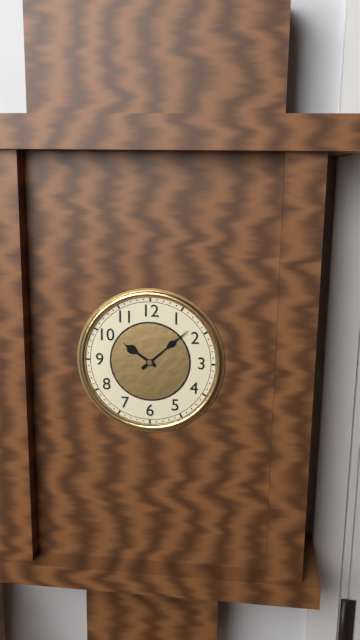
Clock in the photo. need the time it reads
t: 10:08
